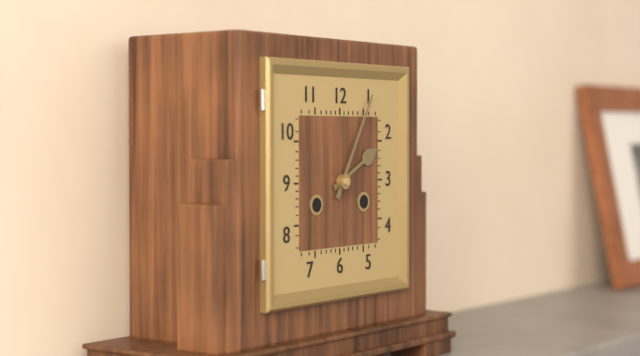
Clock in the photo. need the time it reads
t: 2:05
